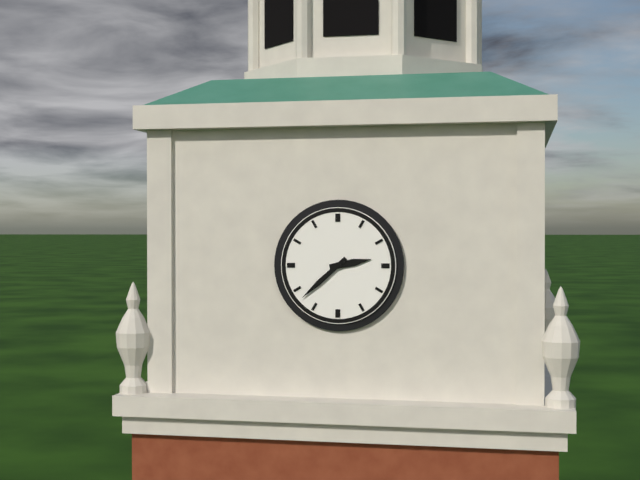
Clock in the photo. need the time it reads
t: 2:38
